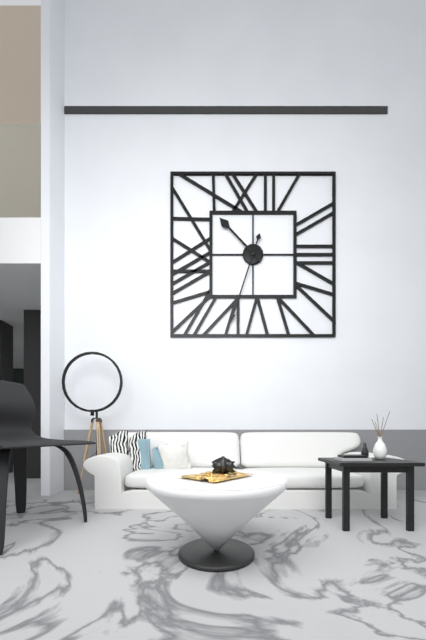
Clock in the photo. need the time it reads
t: 10:33
